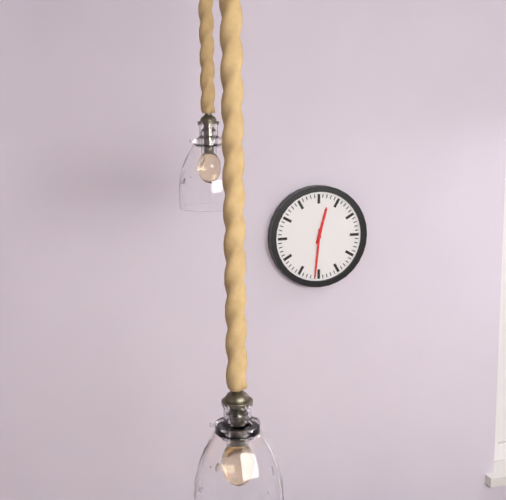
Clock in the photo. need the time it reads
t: 12:31
